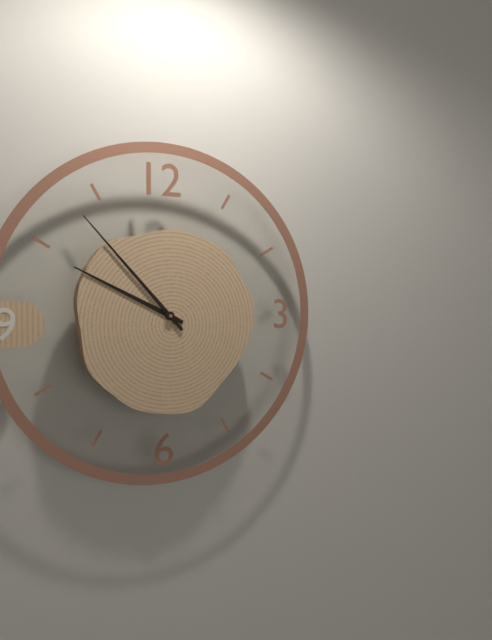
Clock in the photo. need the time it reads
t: 9:53
